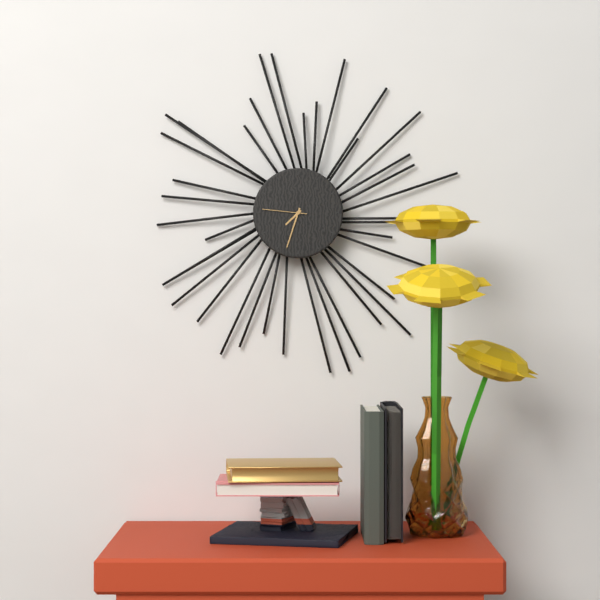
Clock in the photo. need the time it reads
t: 7:33
